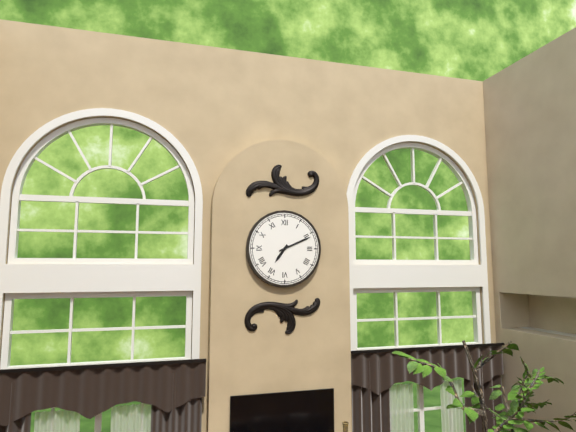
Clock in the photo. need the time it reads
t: 7:11
